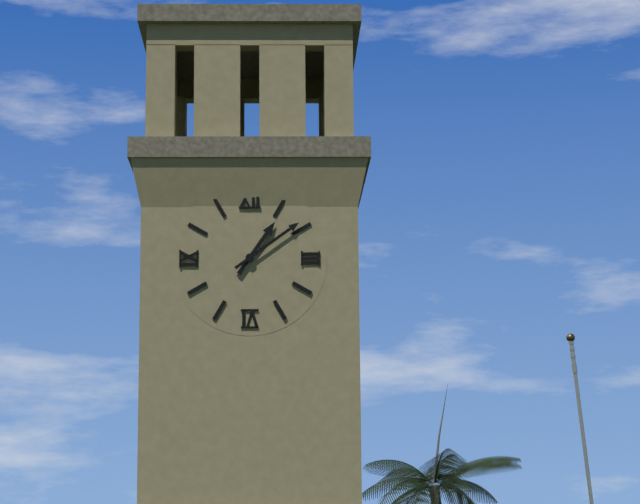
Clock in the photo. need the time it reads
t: 1:09
